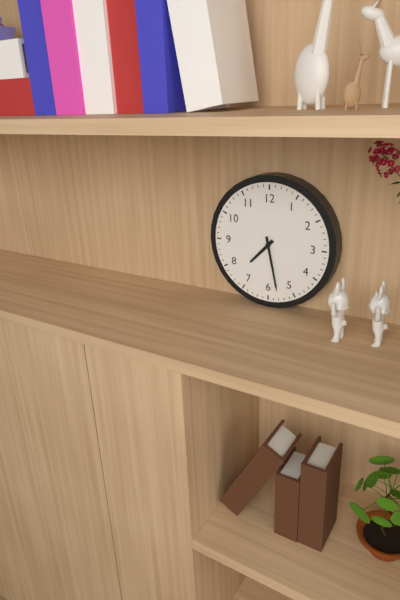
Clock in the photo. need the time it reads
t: 7:28
